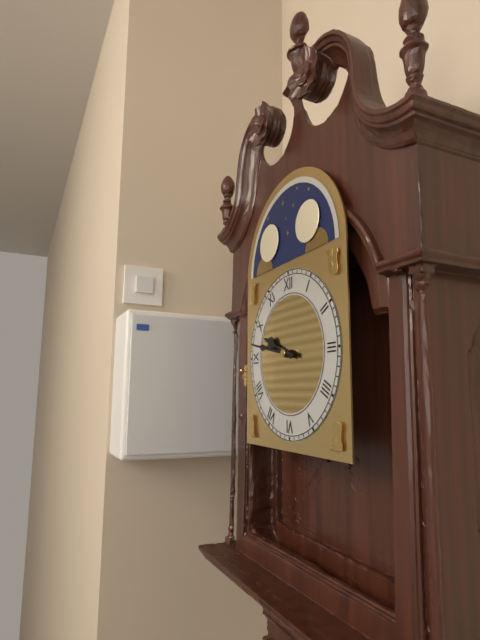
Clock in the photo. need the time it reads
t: 9:47
